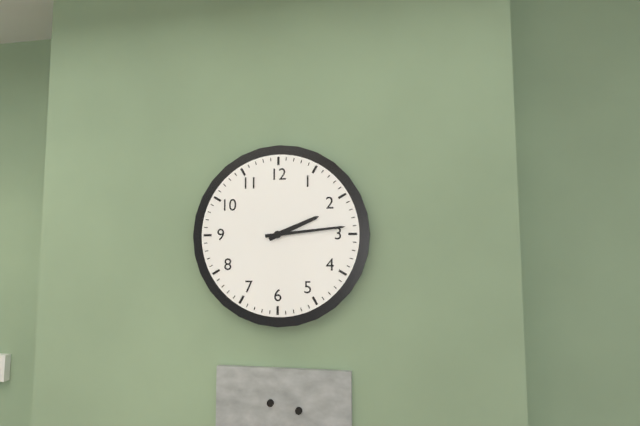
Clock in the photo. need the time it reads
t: 2:14
